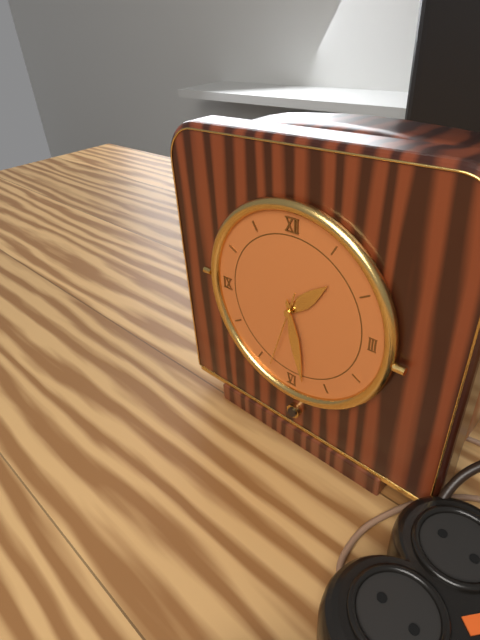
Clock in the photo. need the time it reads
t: 1:28:33
